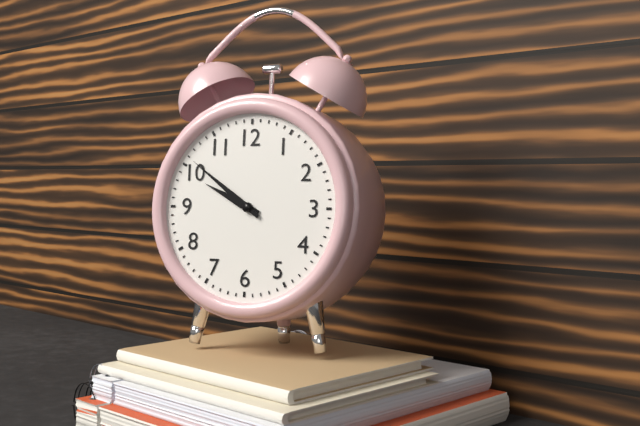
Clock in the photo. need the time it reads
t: 9:51
